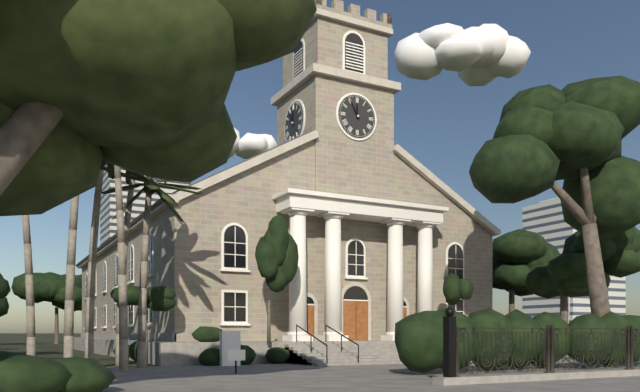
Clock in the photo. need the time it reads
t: 11:55
